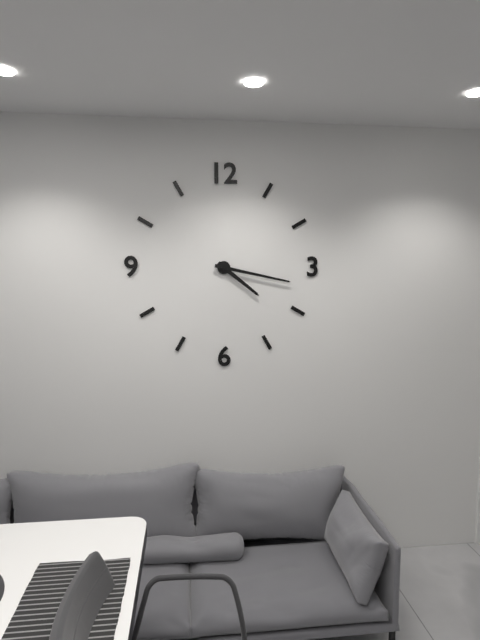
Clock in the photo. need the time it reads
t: 4:17
